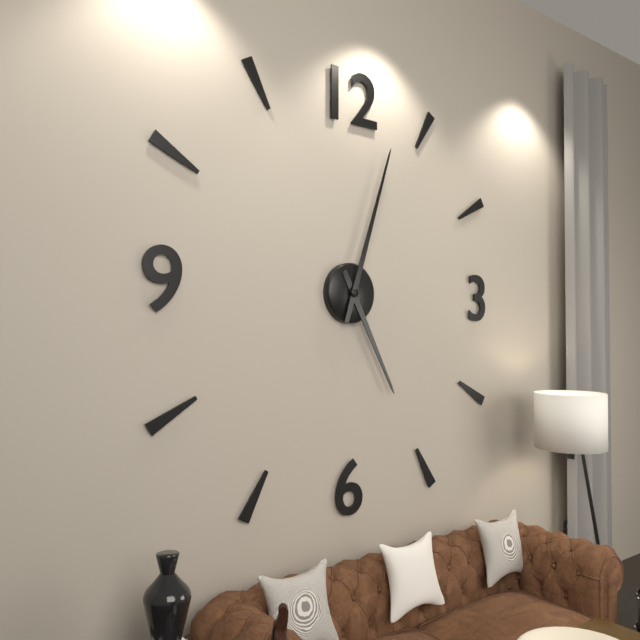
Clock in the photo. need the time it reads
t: 5:03
